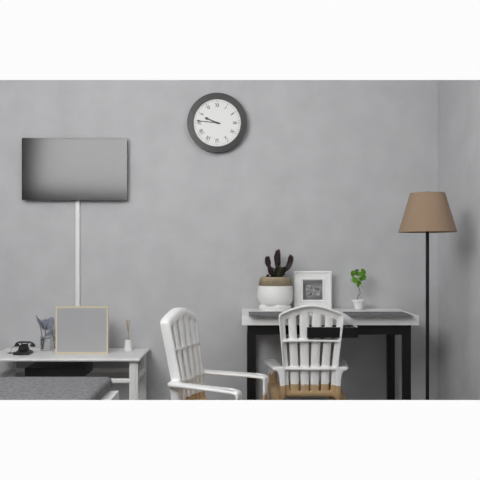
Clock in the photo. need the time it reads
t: 9:46
